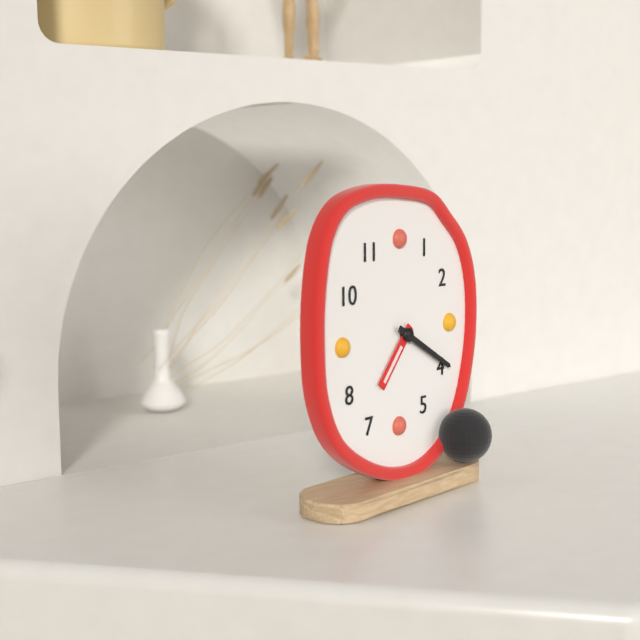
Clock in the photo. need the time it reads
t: 7:20
